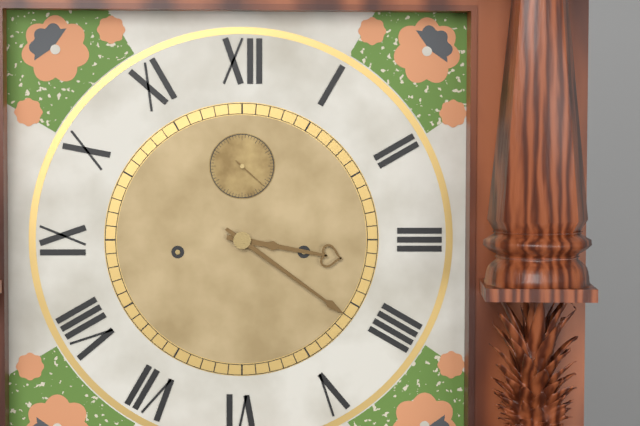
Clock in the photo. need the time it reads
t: 3:21
